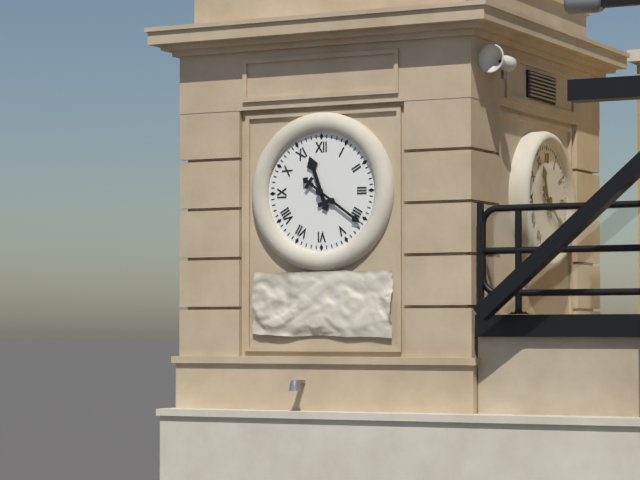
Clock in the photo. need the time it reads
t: 11:21
